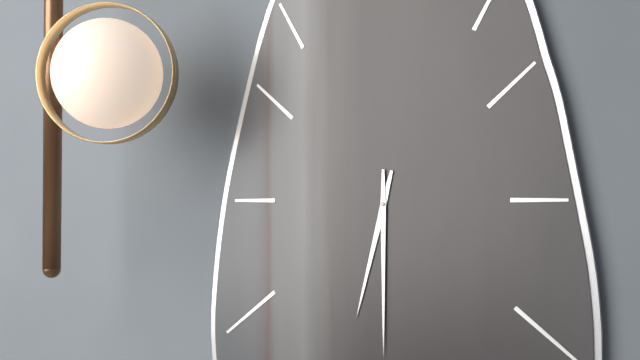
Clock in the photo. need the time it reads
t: 6:30
